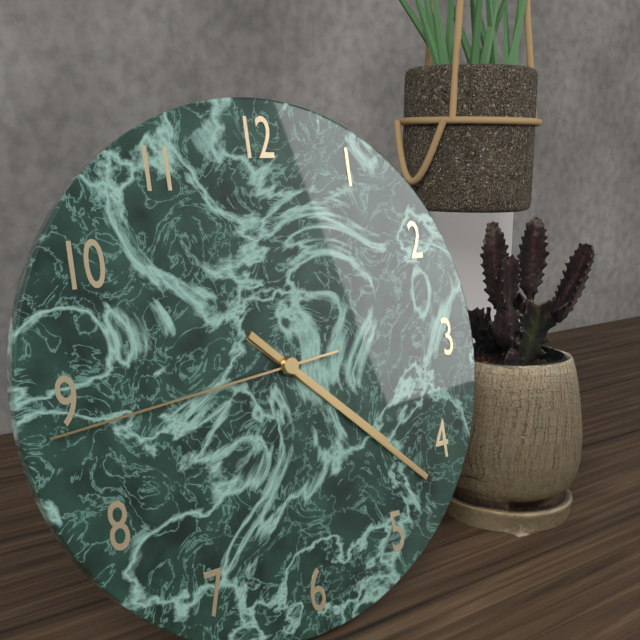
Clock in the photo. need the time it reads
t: 4:22:44
